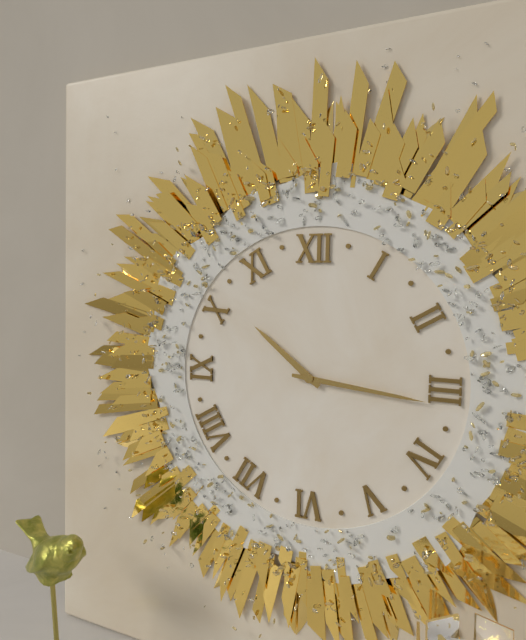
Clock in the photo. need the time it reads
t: 10:16
